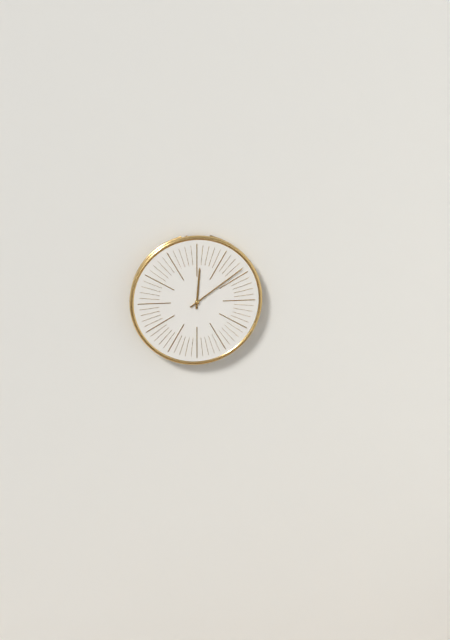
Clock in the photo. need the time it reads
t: 12:09
